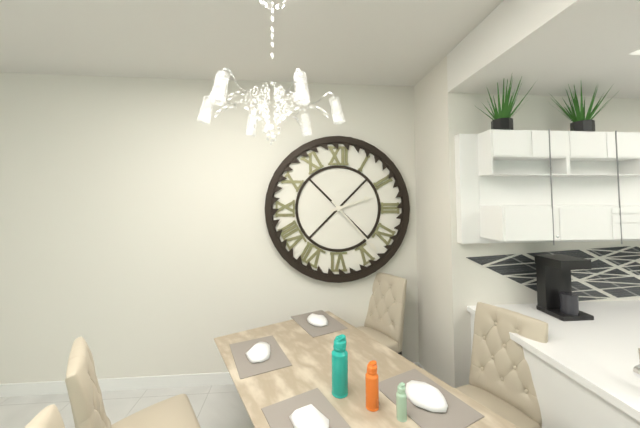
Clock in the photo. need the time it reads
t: 2:23
